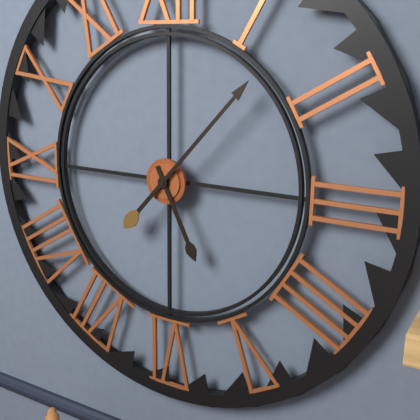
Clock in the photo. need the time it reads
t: 5:07
